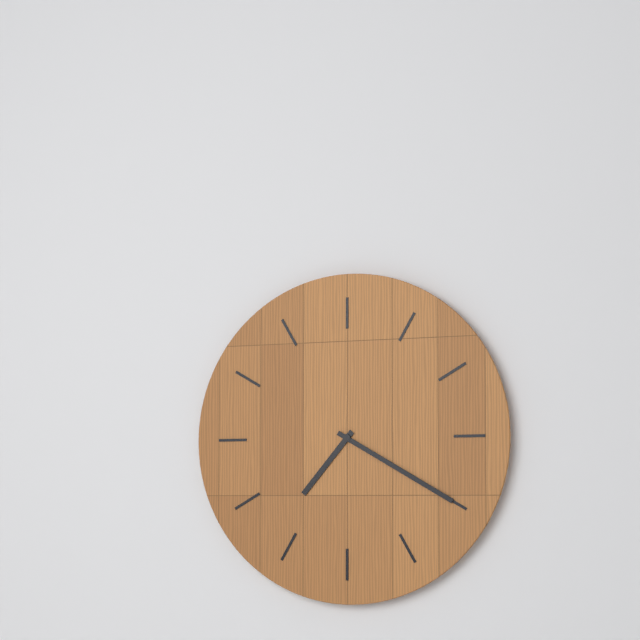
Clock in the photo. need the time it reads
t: 7:20
